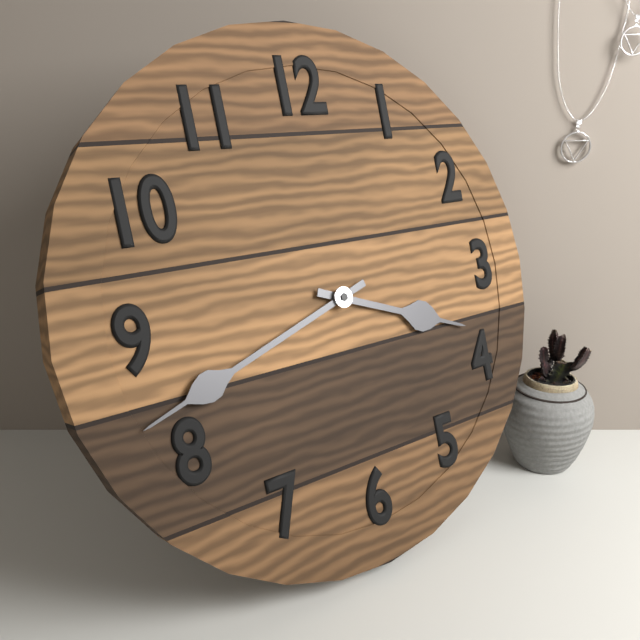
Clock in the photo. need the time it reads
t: 3:42
